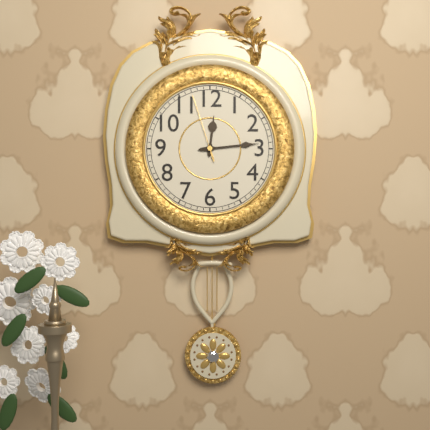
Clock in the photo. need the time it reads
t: 12:14:57
